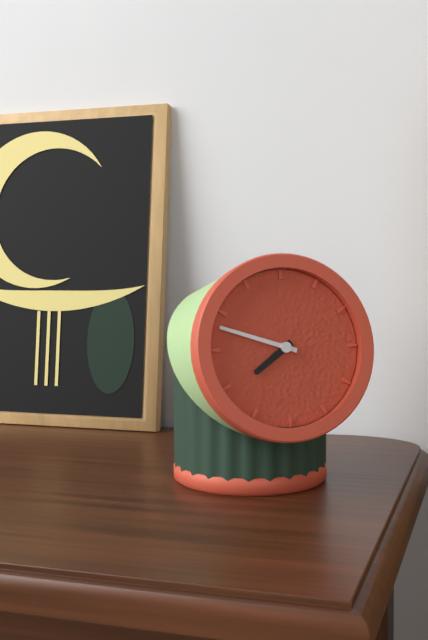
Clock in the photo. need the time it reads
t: 7:48
